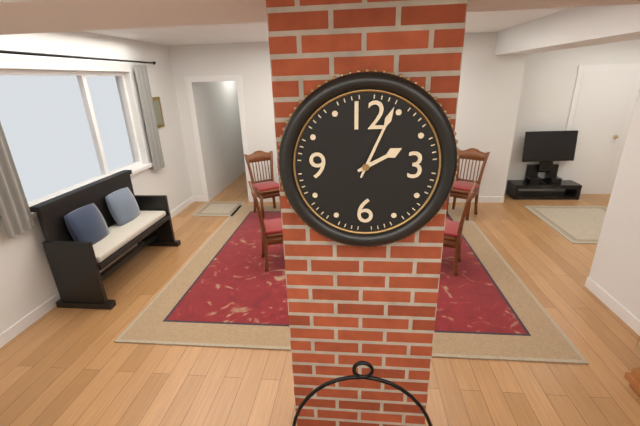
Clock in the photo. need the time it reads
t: 2:04
